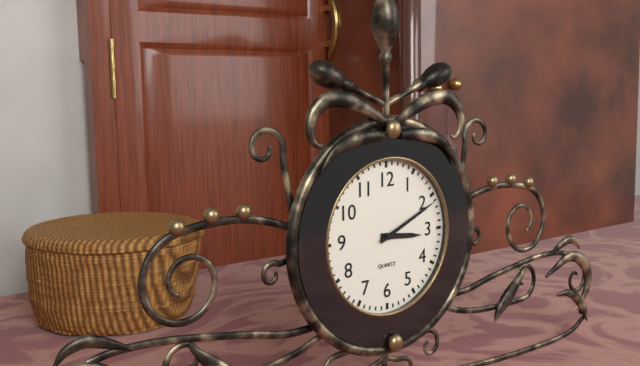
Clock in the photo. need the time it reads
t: 3:11
